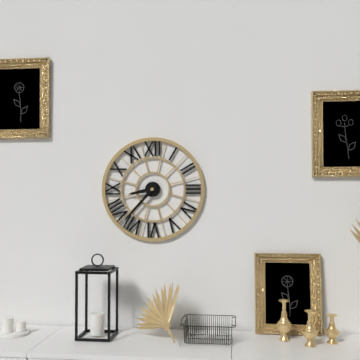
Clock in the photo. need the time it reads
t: 8:37
